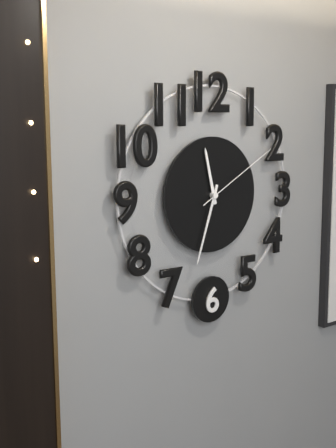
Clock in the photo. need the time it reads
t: 11:33:10
